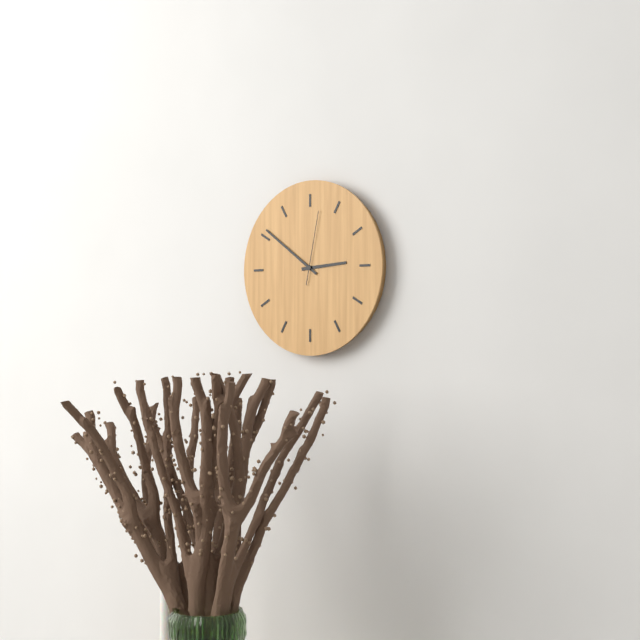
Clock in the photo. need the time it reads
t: 2:51:02
